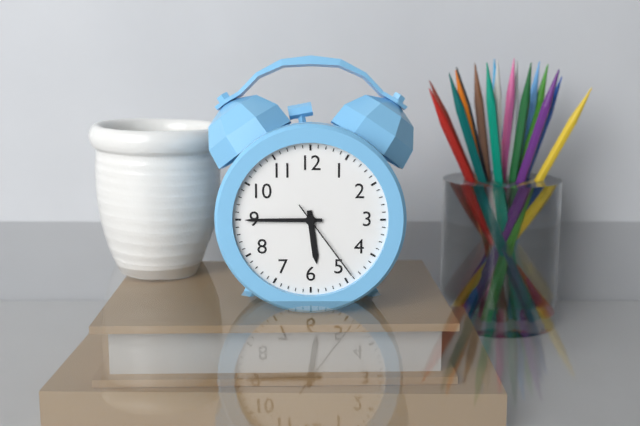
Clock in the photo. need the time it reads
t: 5:45:24
